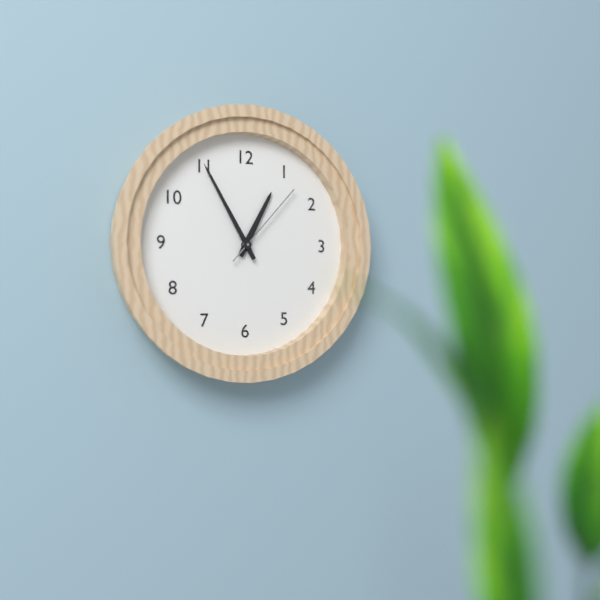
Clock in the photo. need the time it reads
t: 12:55:07
